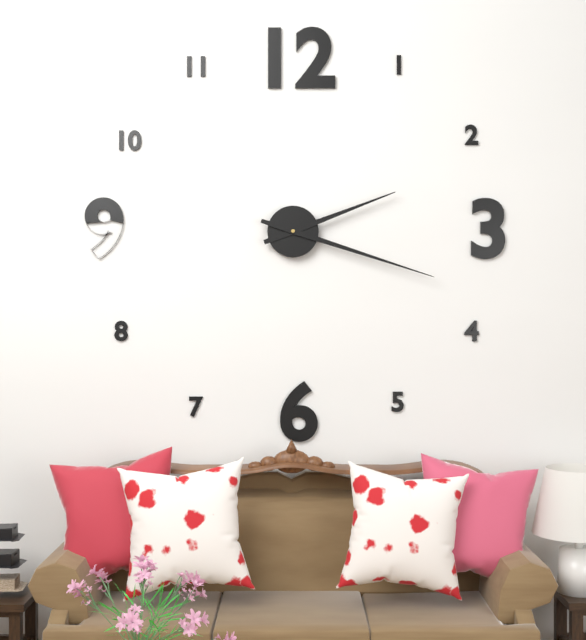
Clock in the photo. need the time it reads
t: 2:18
